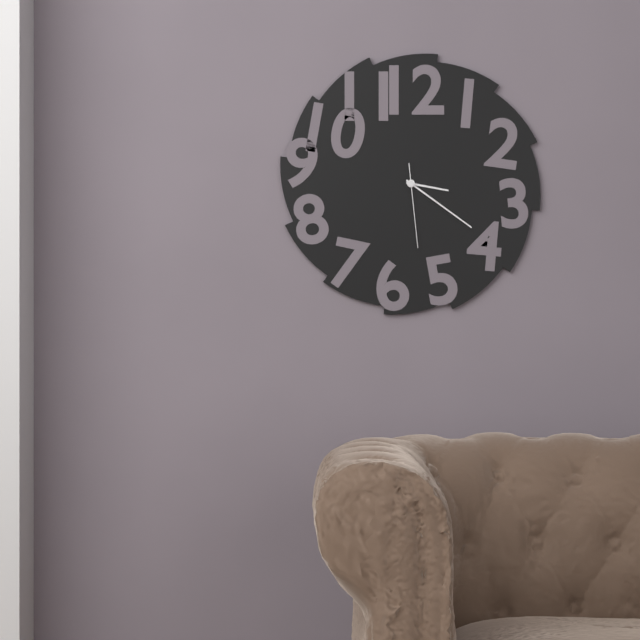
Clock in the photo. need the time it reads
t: 3:21:29
